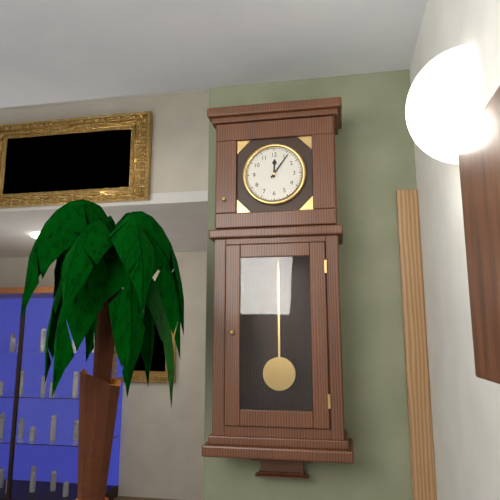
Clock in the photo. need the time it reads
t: 12:06
